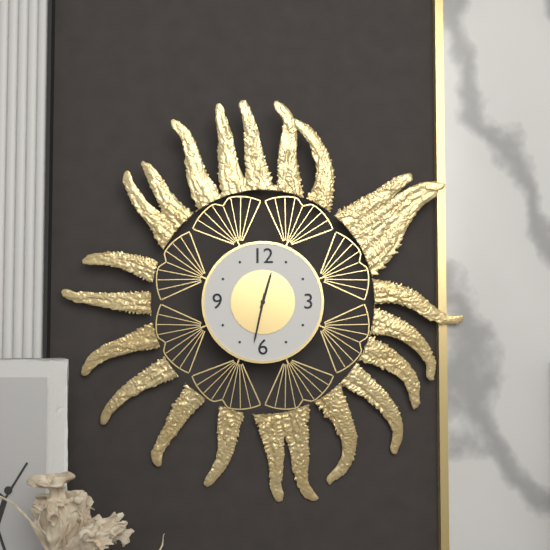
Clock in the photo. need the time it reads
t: 12:32
